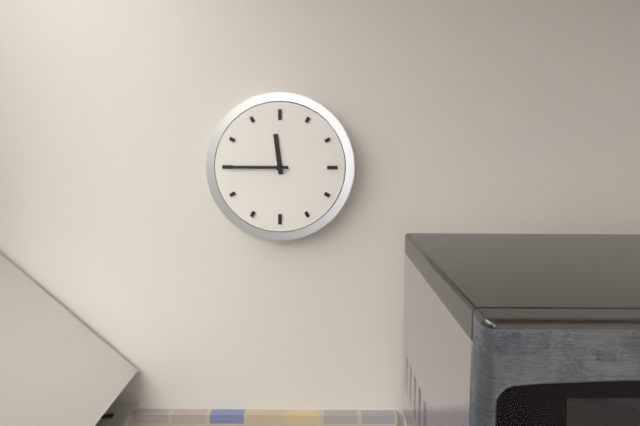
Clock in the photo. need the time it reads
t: 11:45
